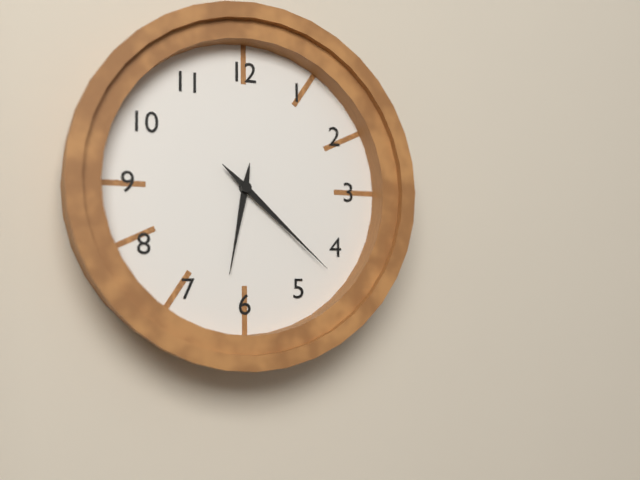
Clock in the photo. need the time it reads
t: 6:22
